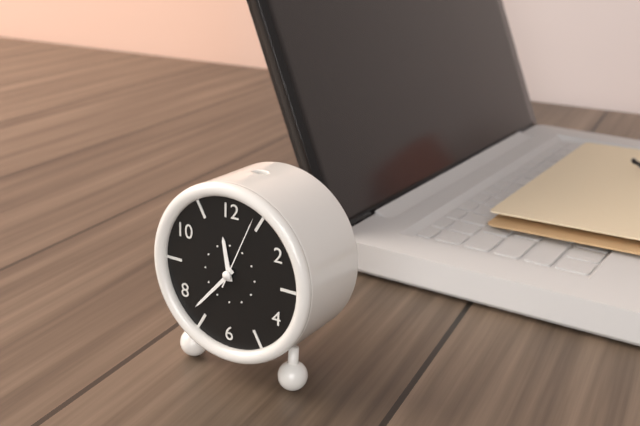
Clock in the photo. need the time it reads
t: 11:37:04
